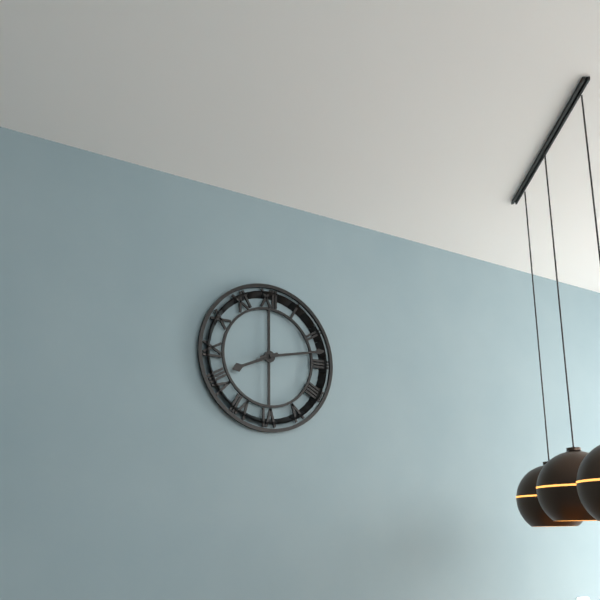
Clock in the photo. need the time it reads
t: 8:13
